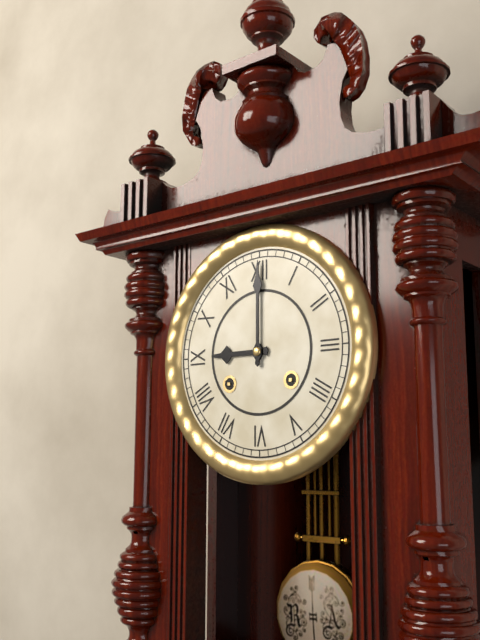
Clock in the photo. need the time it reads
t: 9:00
